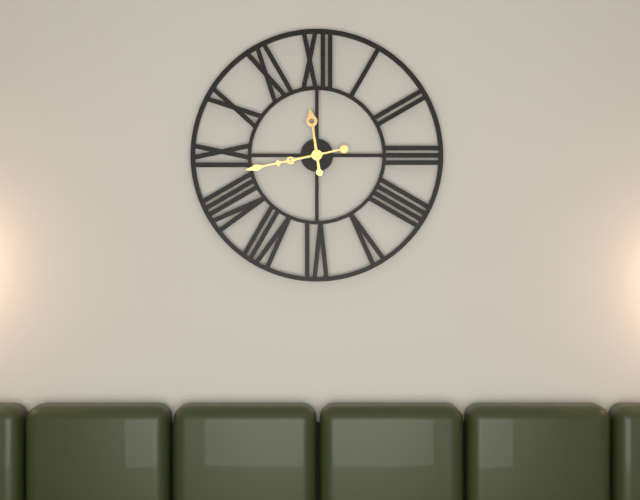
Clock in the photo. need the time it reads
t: 11:43
